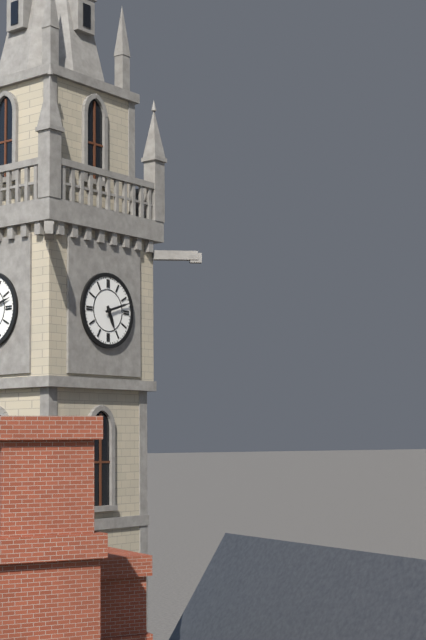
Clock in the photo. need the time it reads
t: 5:12
